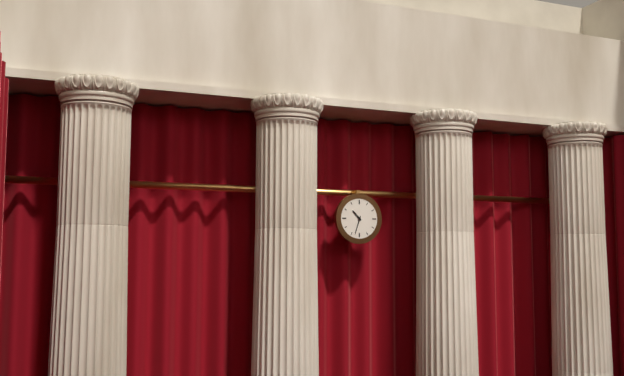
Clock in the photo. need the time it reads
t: 10:33
